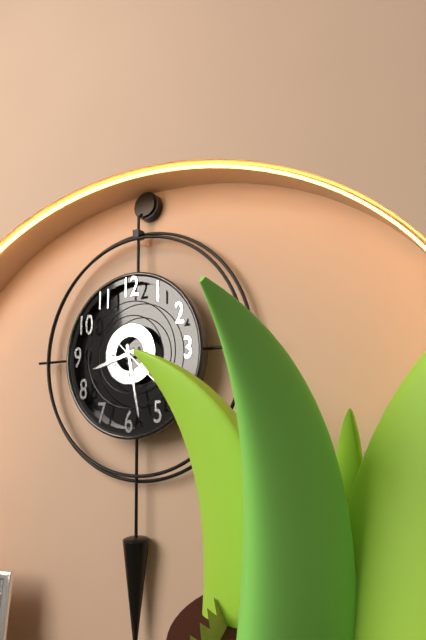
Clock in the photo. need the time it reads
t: 8:28:22
